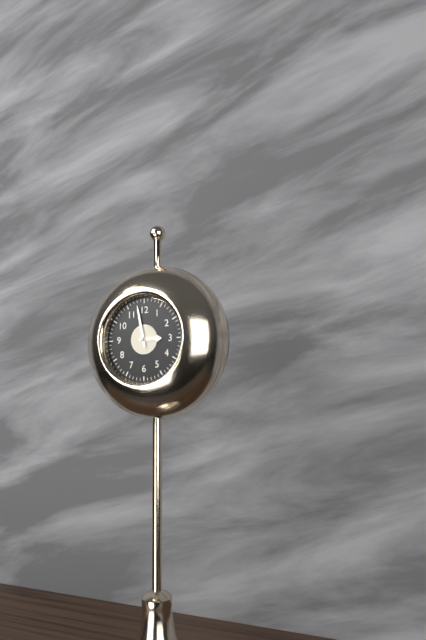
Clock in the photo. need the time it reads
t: 2:58
